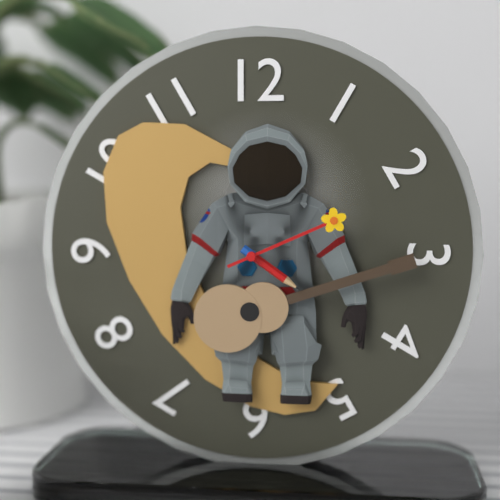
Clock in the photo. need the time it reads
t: 4:11
